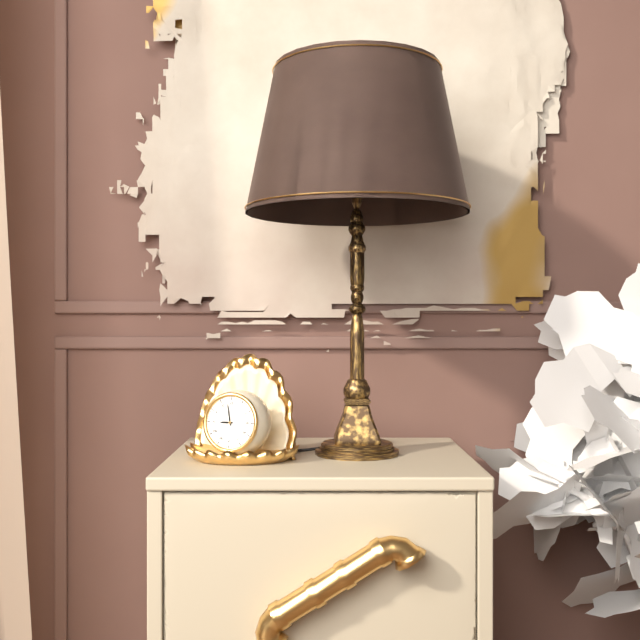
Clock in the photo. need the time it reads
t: 8:58
